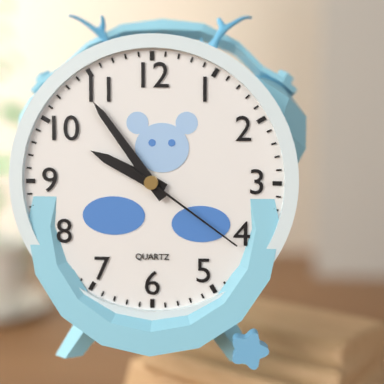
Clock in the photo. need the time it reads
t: 9:54:21
